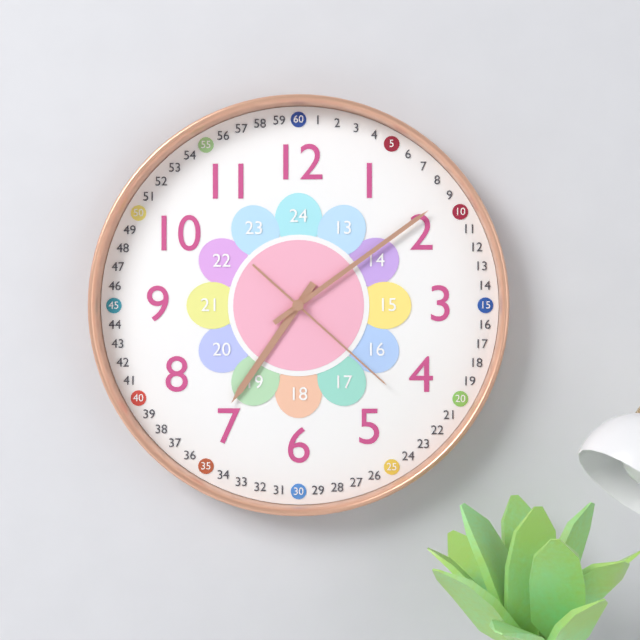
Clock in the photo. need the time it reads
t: 7:09:22
